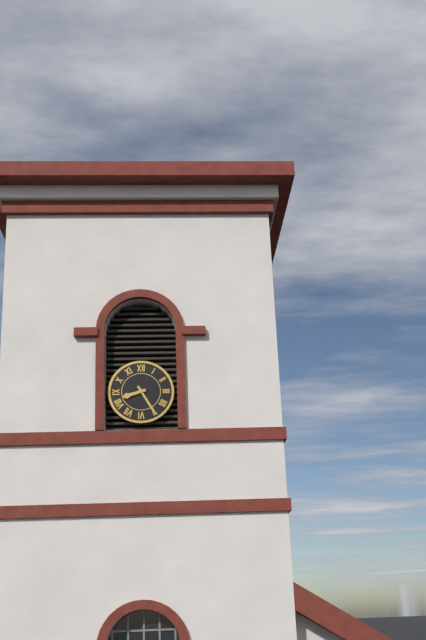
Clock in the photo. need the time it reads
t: 8:25
